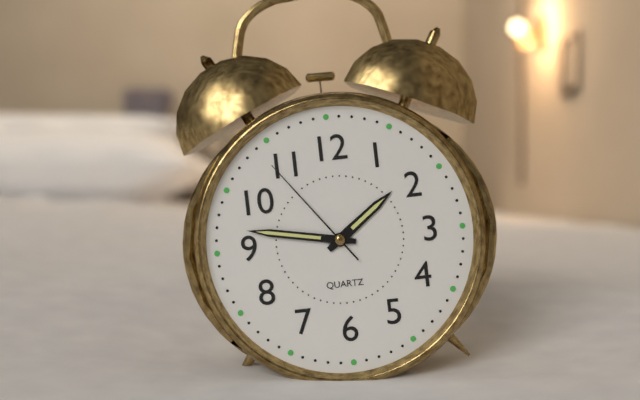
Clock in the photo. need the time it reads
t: 1:47:54
